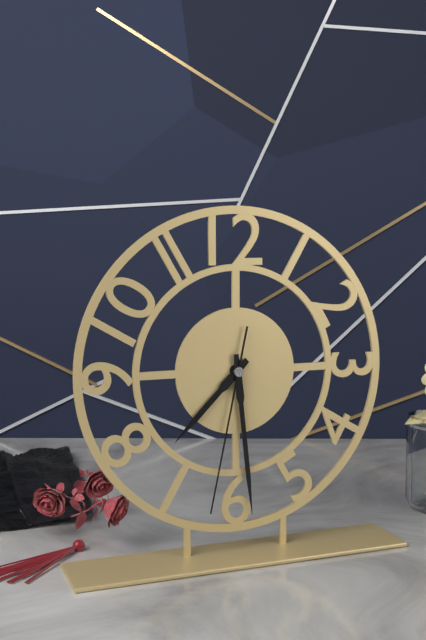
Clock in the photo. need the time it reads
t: 7:29:32
